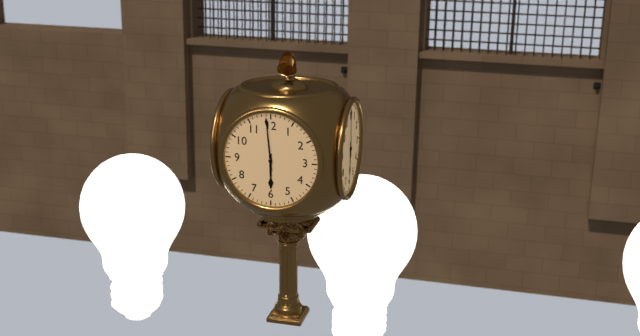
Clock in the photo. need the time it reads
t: 5:59
